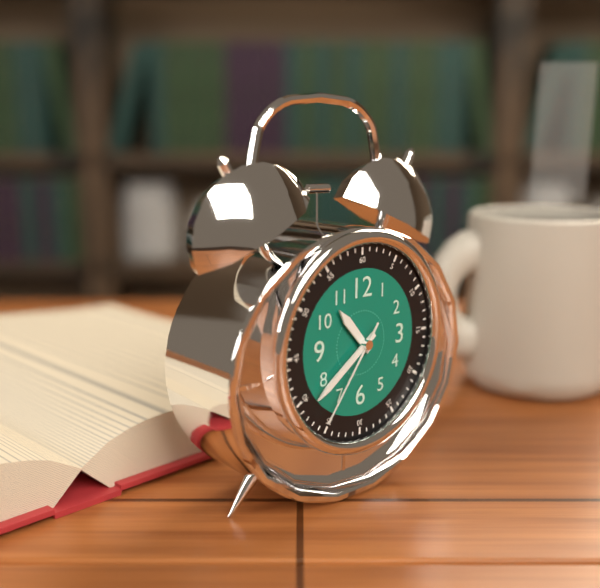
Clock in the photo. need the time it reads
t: 10:39:36
